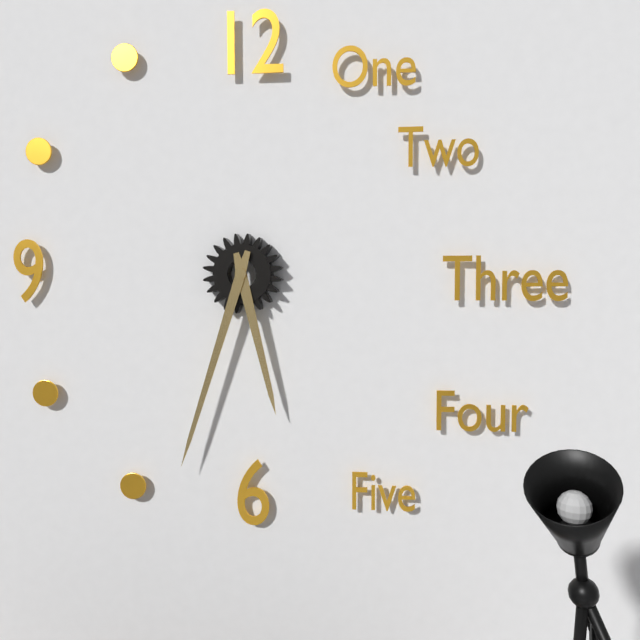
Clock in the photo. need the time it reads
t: 5:33
